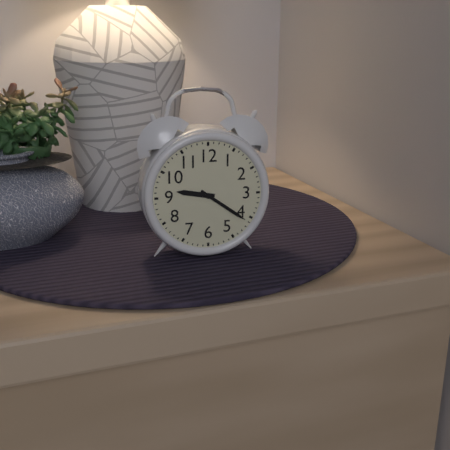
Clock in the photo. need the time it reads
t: 9:21
